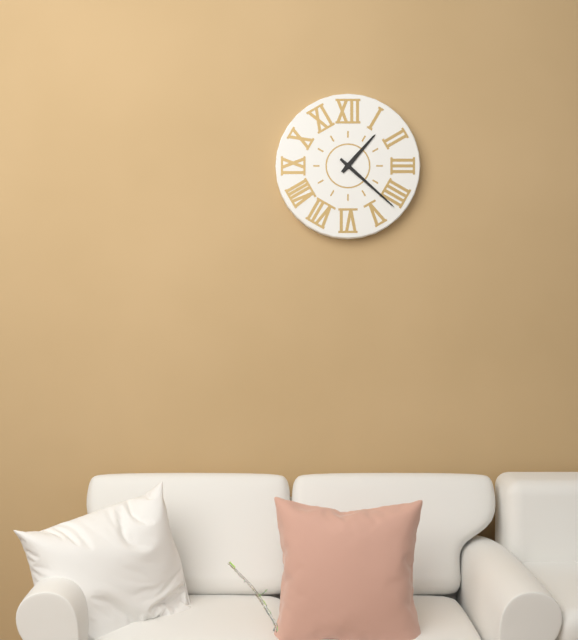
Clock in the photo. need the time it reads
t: 1:22
